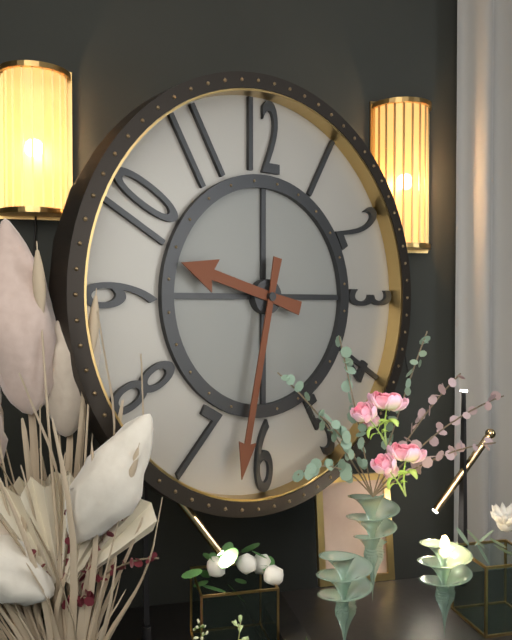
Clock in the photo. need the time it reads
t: 9:32
